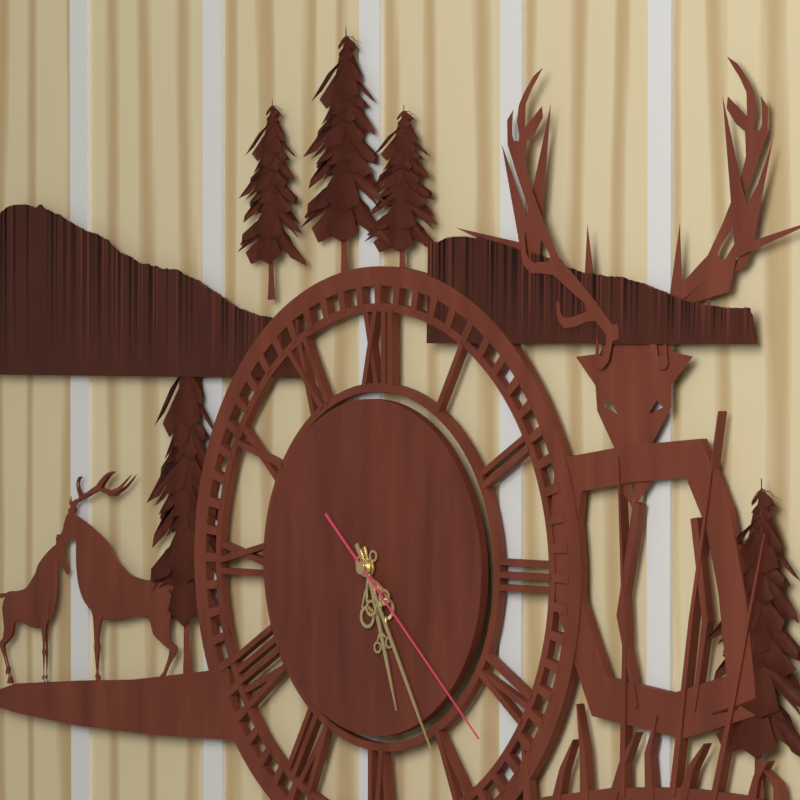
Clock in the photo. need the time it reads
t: 5:25:22
